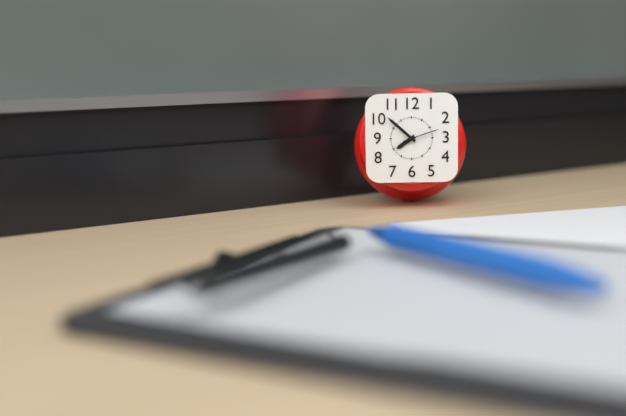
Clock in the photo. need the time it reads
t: 7:52
